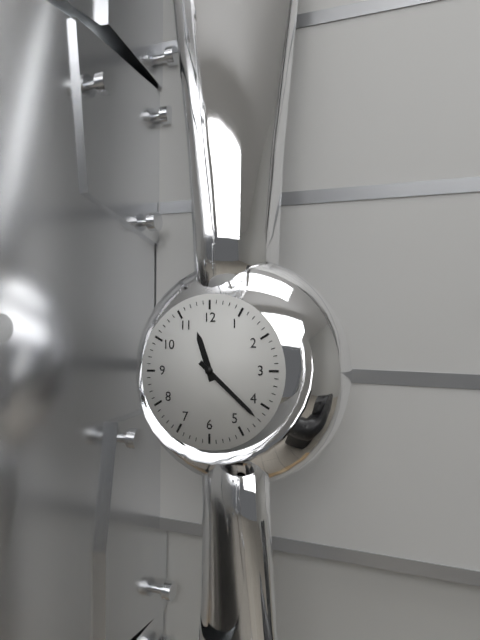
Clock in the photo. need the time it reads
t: 11:22
